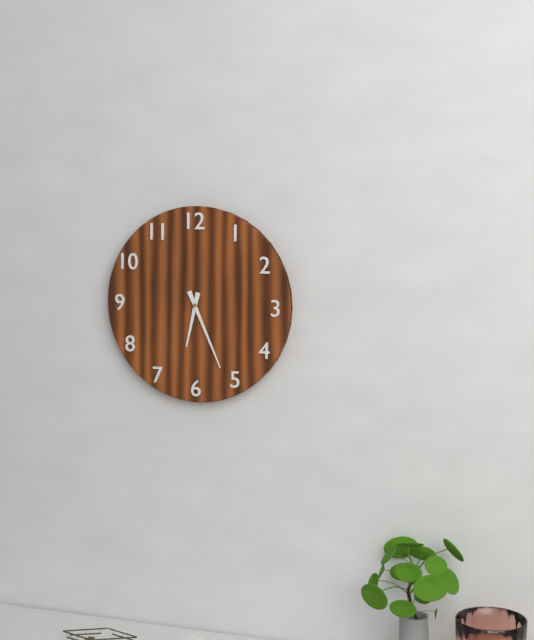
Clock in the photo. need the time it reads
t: 6:26
